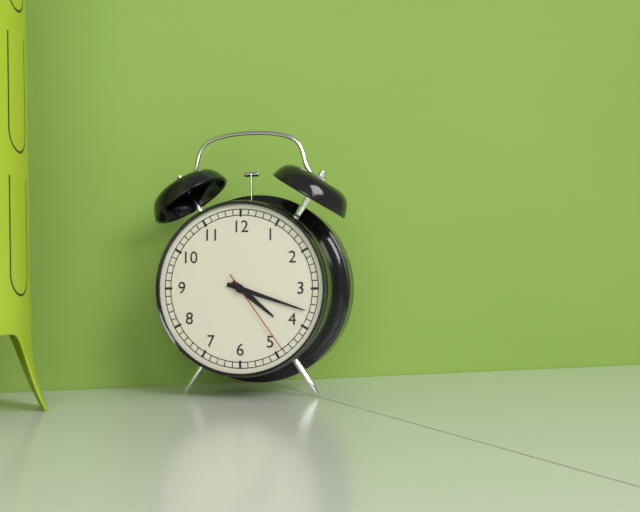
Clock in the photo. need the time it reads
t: 4:18:24
